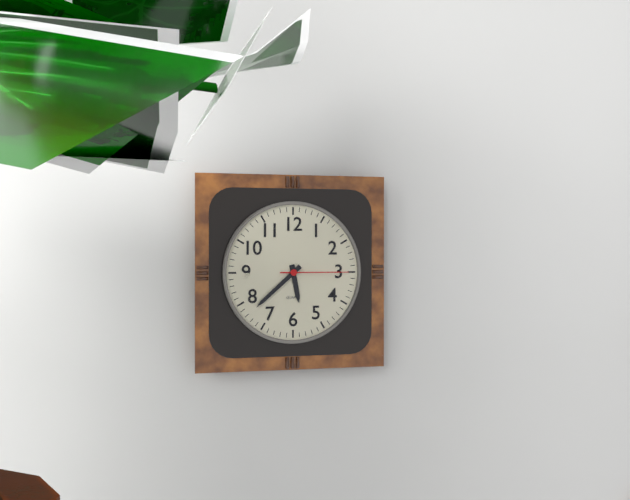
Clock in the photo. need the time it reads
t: 5:38:15
